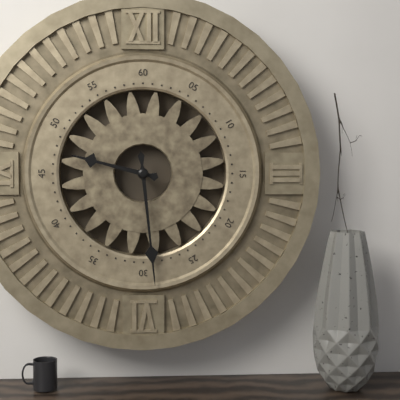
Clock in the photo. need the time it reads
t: 9:29
